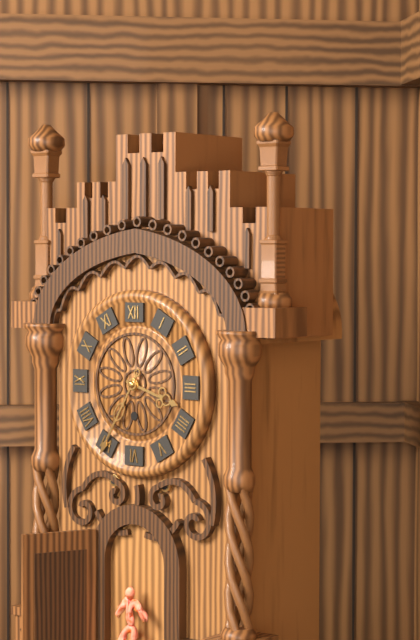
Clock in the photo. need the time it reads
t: 3:35
